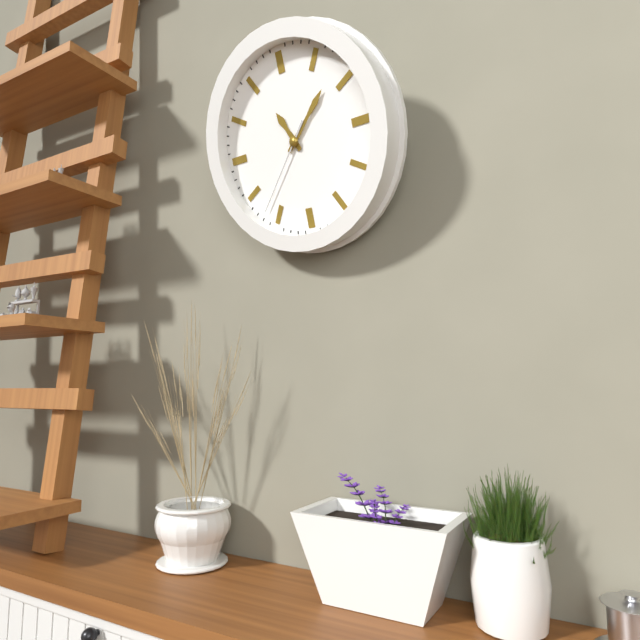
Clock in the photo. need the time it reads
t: 11:08:37
